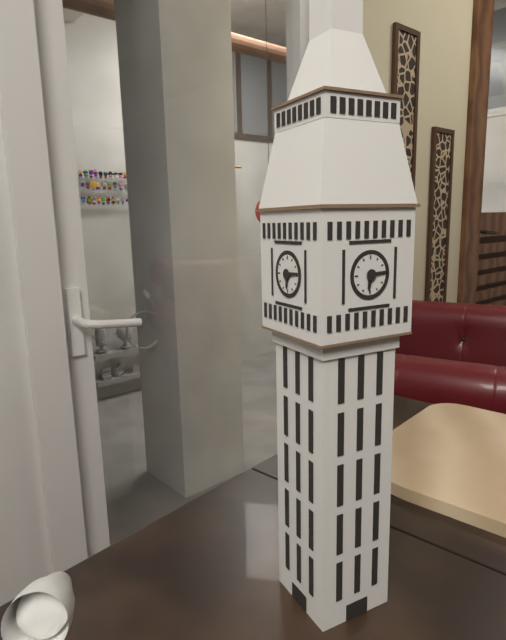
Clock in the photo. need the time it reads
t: 6:14
